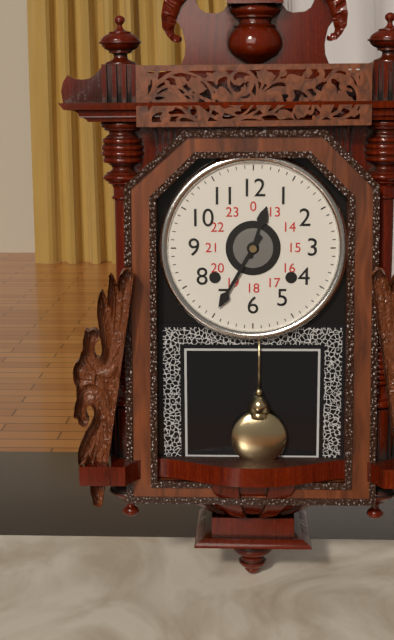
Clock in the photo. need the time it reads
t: 12:35
